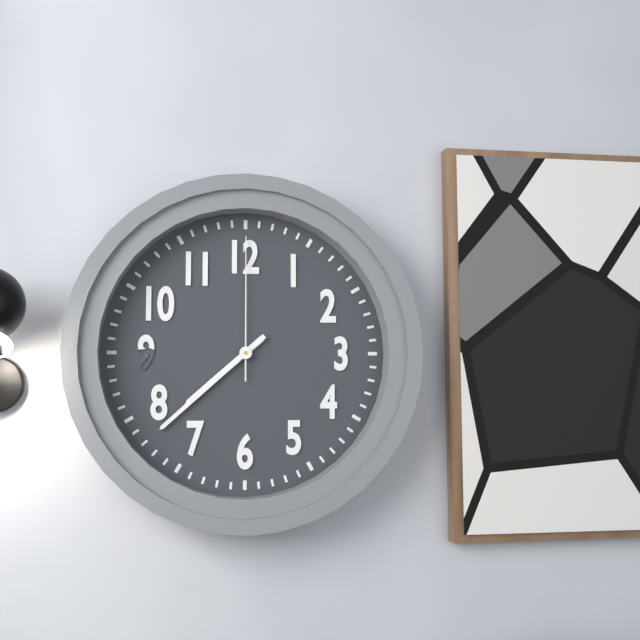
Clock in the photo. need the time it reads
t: 7:38:00
